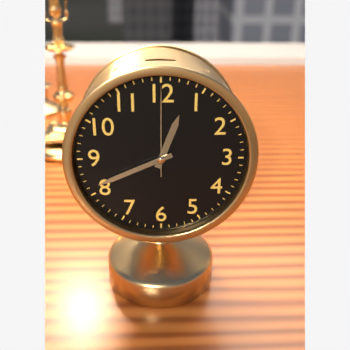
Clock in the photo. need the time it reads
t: 12:41:00
